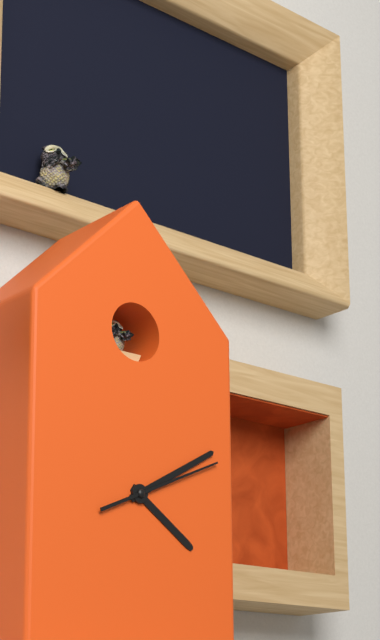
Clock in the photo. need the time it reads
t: 4:10:11
